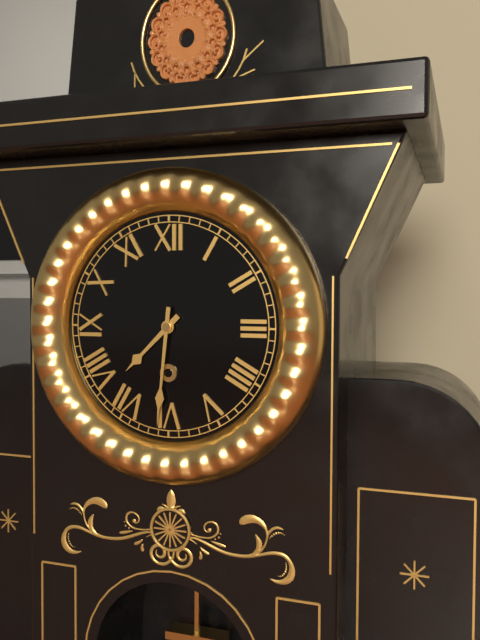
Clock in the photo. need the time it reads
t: 7:31
